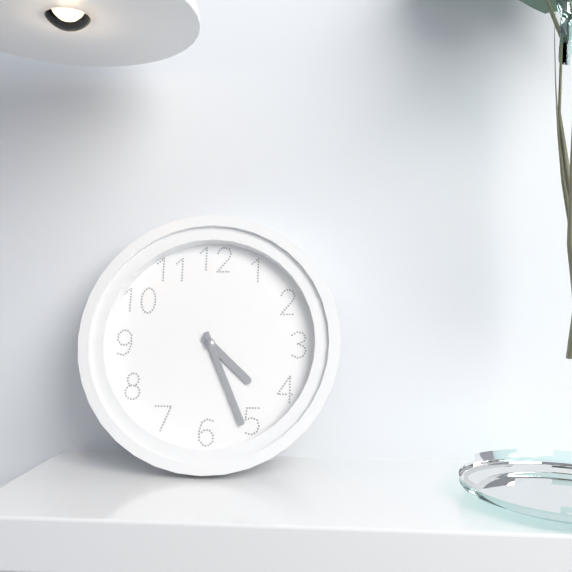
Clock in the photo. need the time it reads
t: 4:26
